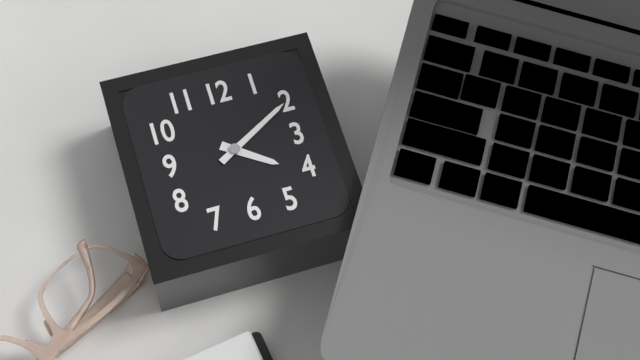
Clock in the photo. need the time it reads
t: 4:10
